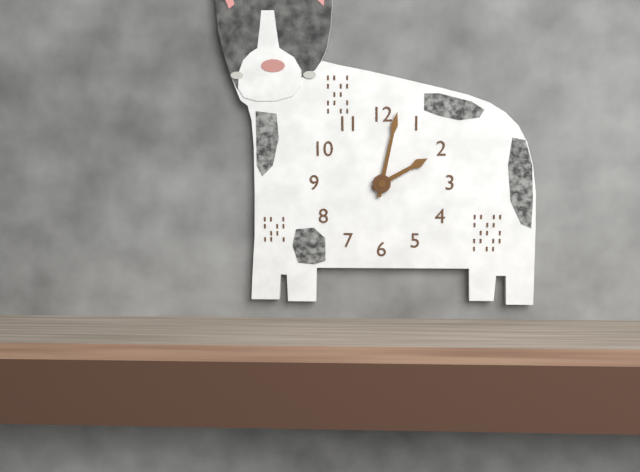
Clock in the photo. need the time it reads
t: 2:02
